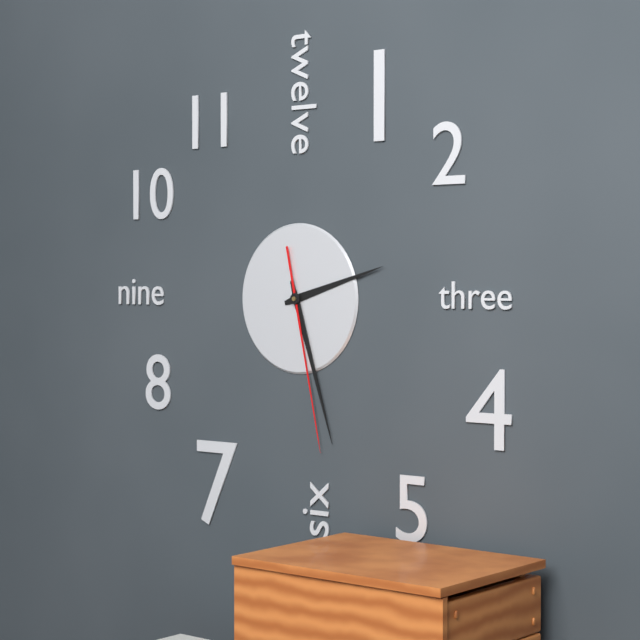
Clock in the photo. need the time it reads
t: 2:27:28
